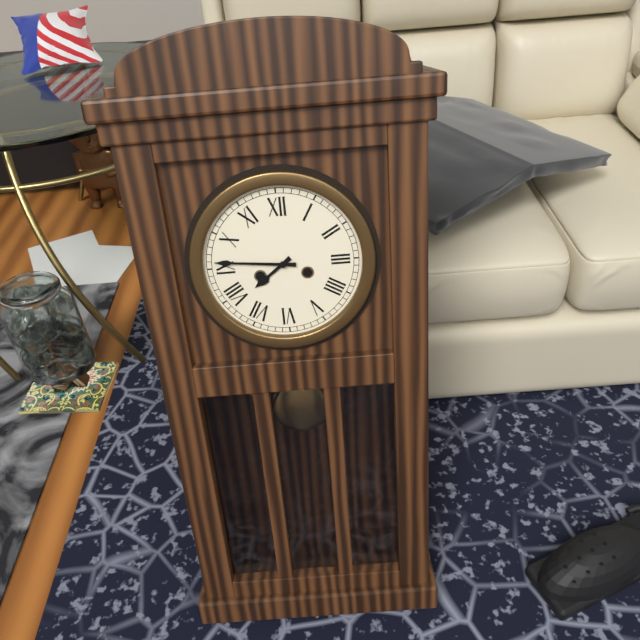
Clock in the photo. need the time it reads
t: 7:46
